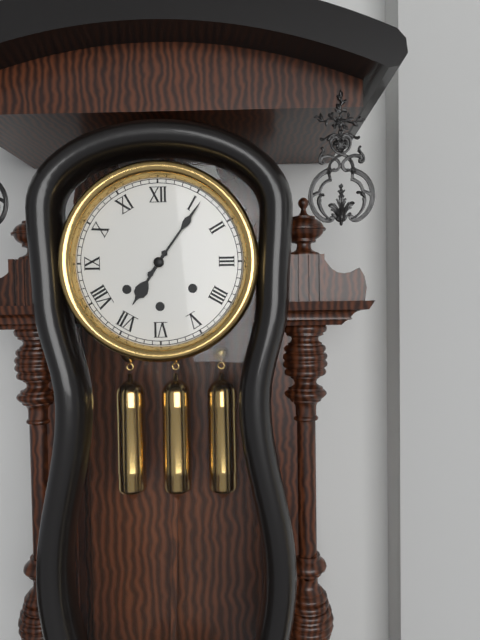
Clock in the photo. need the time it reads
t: 7:06
